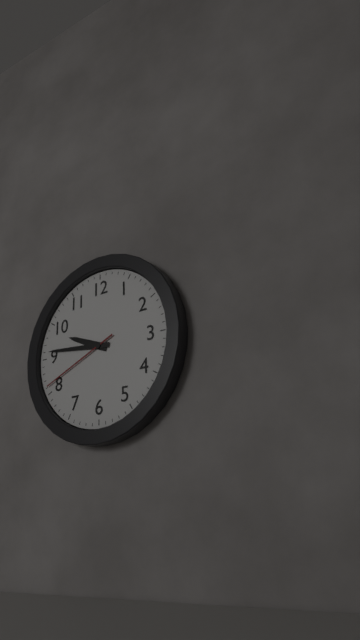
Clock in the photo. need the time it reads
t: 9:46:41
